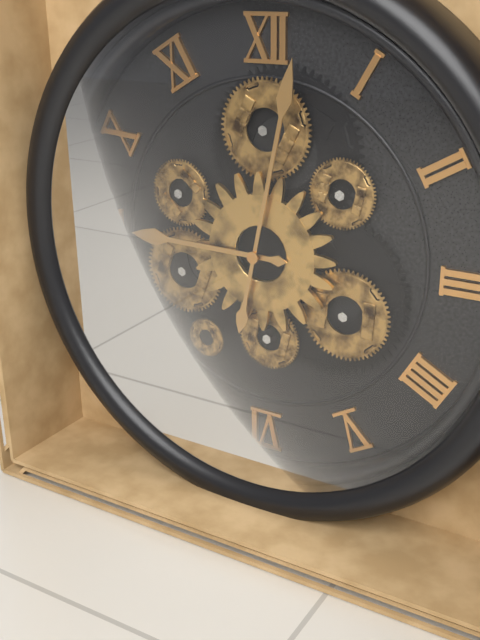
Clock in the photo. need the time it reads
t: 9:02
